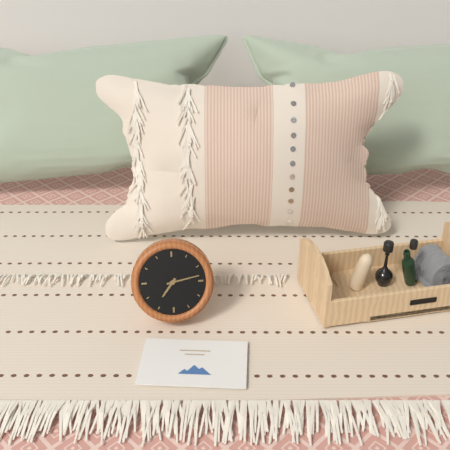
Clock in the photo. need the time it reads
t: 7:13
